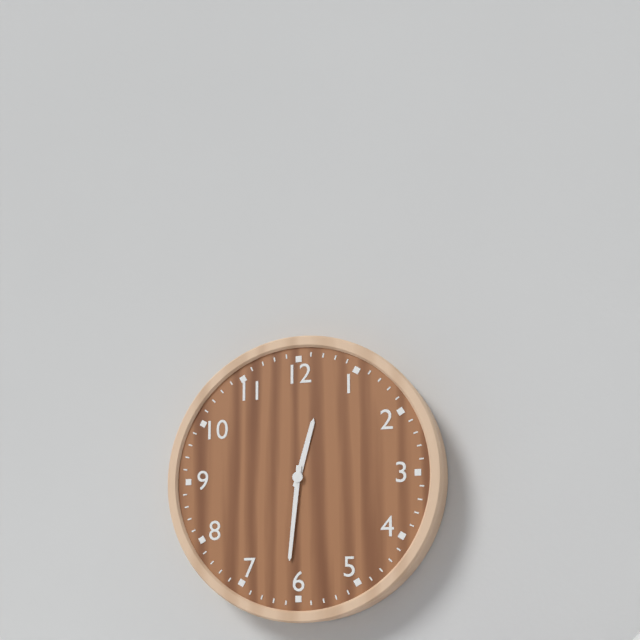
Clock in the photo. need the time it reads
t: 12:31
